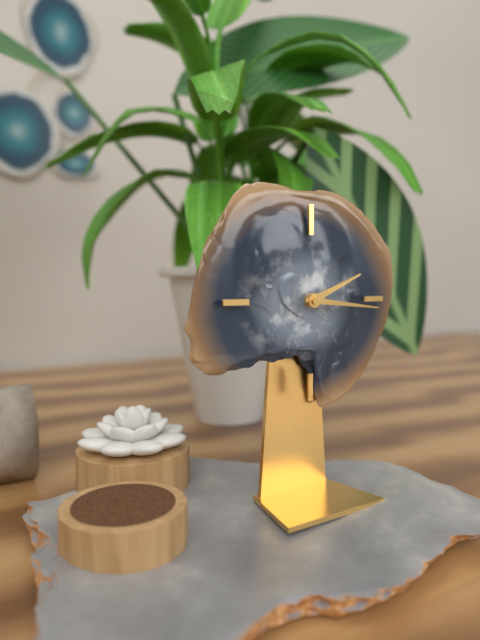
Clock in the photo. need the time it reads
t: 2:16
